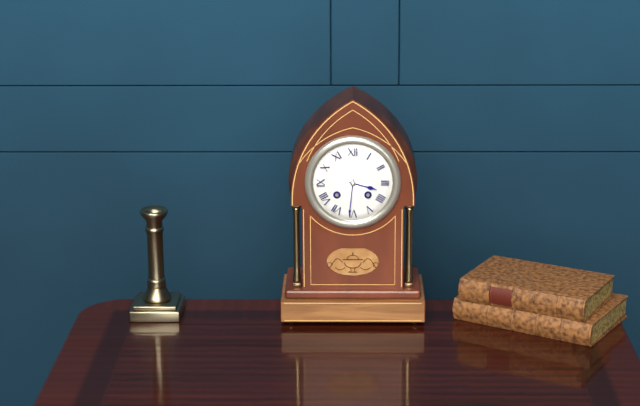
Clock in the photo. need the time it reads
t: 3:31
